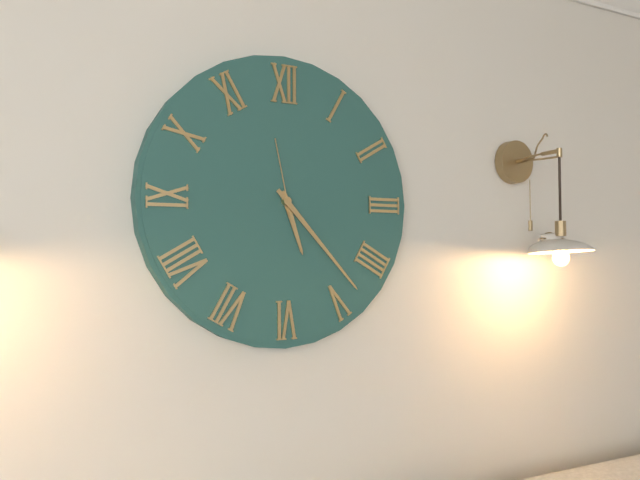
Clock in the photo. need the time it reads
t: 5:23:58
